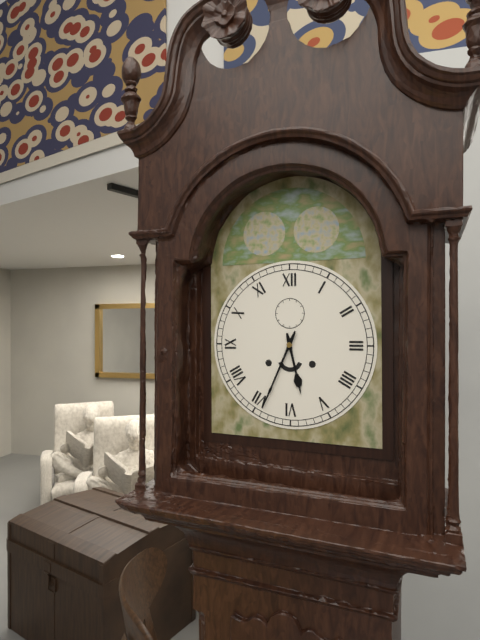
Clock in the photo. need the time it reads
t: 5:34
